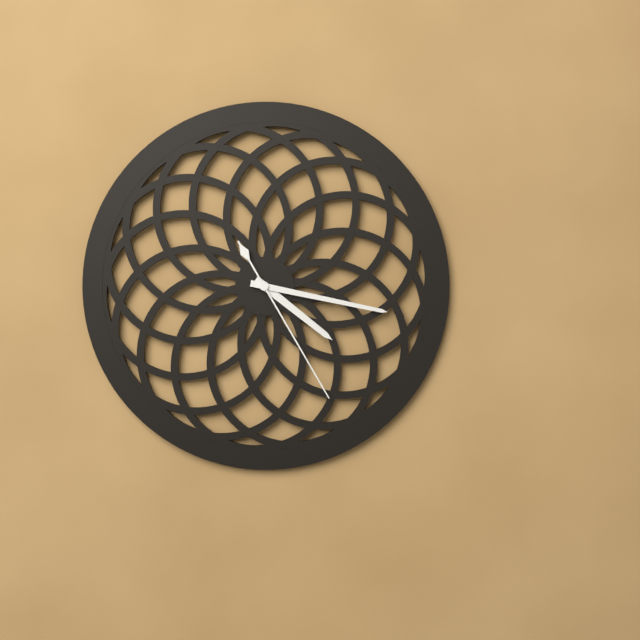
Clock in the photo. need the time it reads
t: 4:17:25
